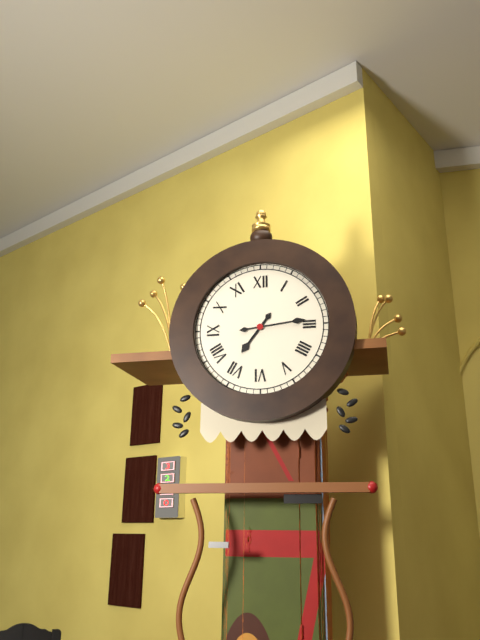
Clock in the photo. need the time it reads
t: 7:14
